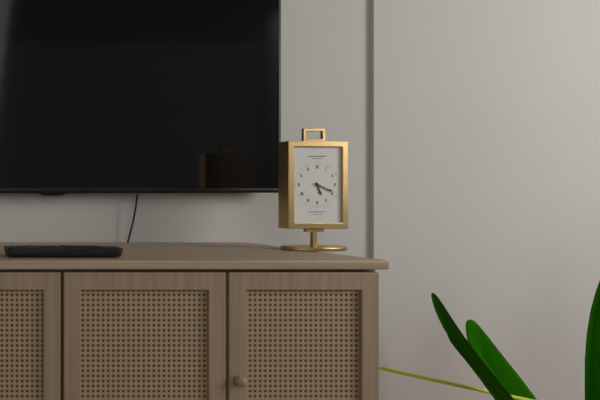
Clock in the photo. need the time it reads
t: 5:19
